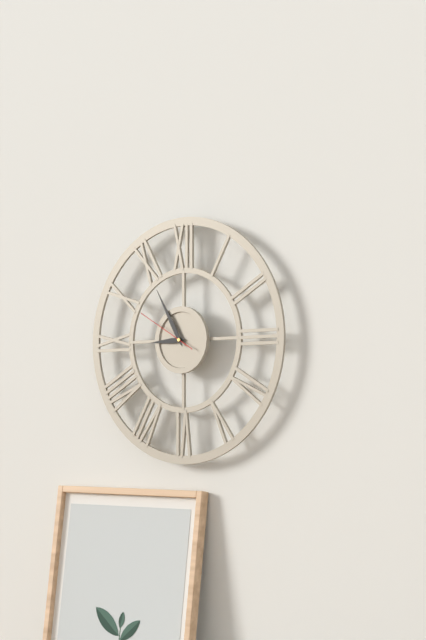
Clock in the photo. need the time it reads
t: 8:55:50
